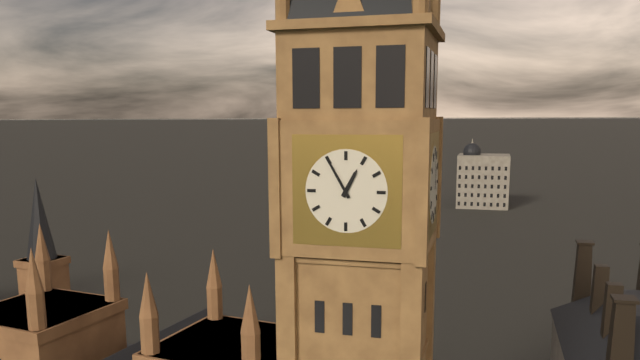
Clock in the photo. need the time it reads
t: 12:55
